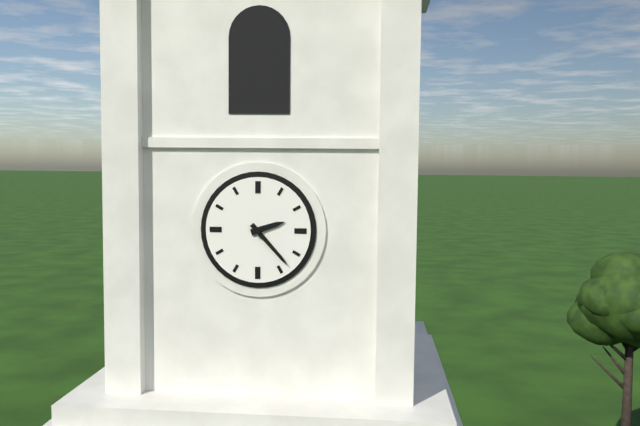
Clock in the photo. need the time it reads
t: 2:23
